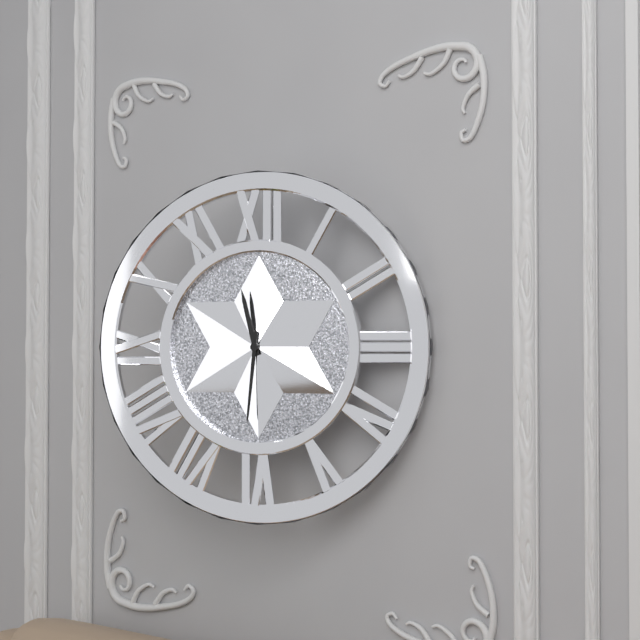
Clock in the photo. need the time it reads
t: 11:31
